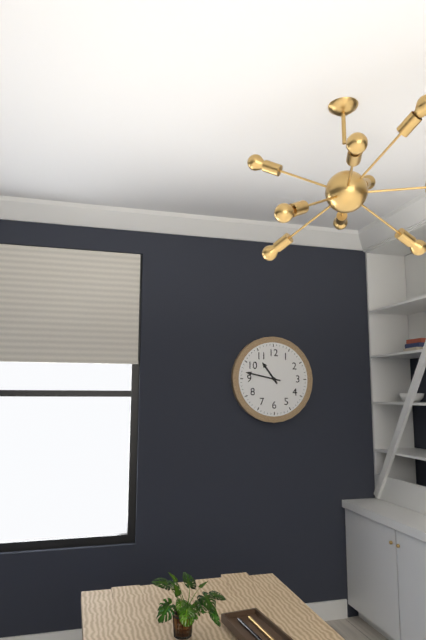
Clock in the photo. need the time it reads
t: 10:47
